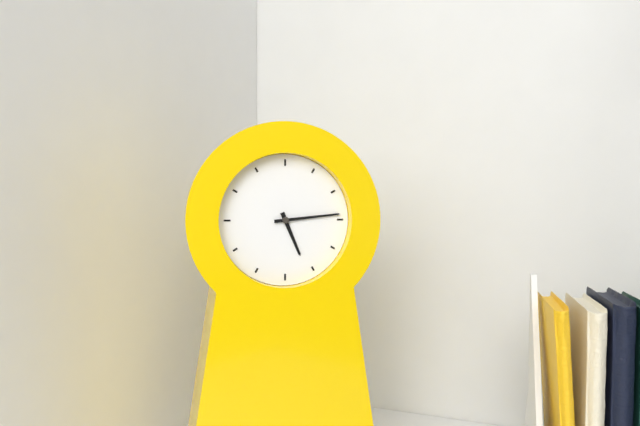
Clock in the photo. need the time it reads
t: 5:14
